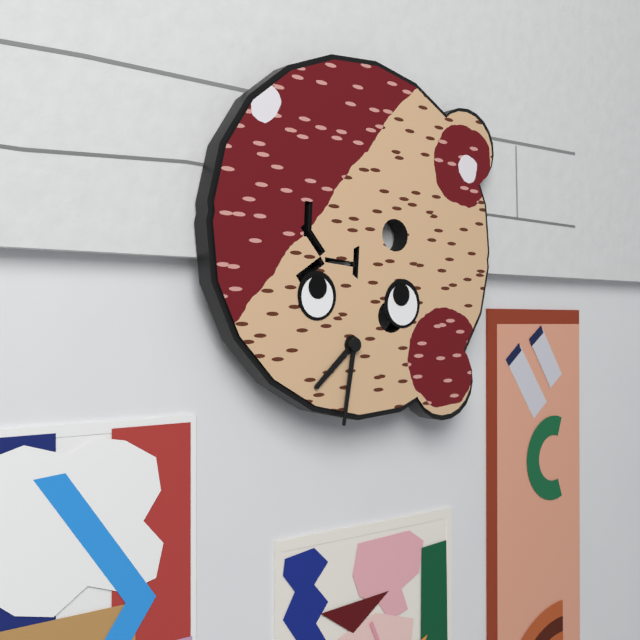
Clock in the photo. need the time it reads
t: 7:31
